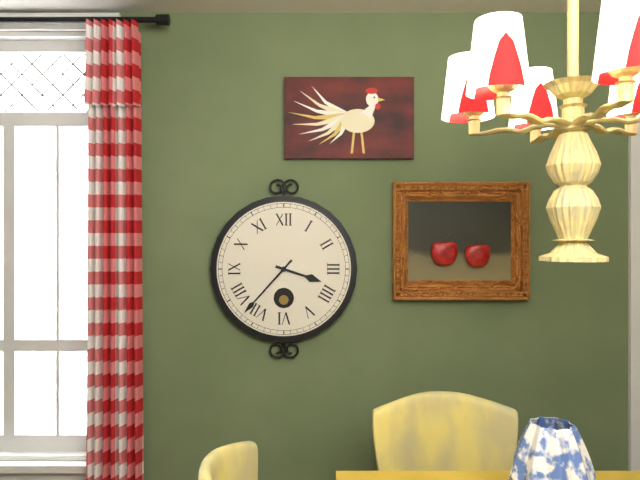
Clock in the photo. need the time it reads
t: 3:37
